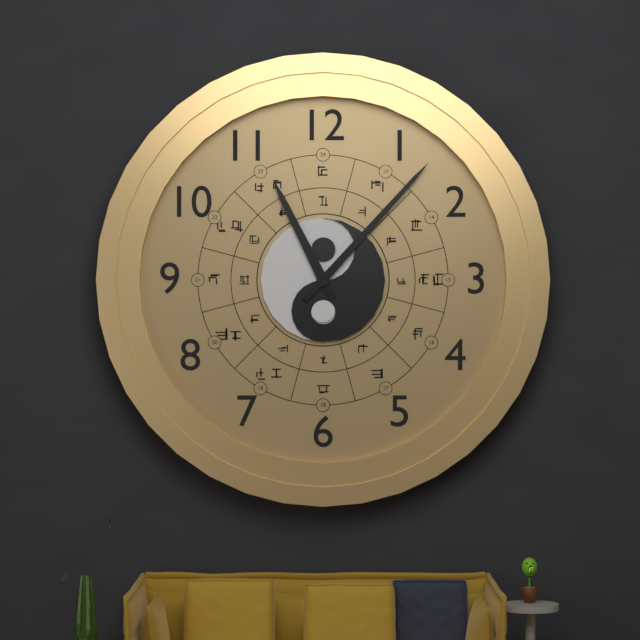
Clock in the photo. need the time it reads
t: 11:07
